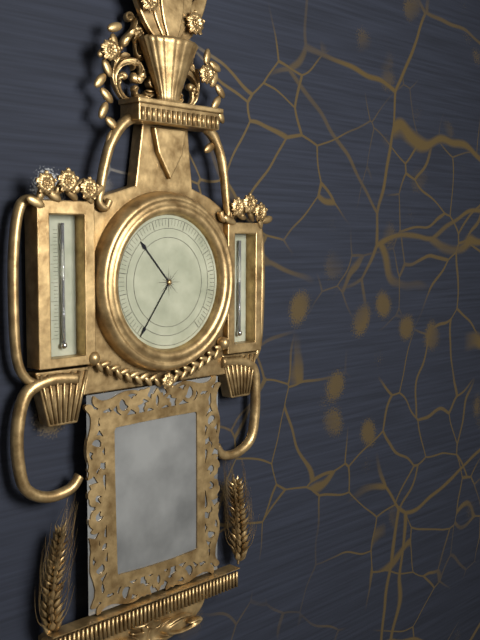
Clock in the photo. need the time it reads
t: 10:36
